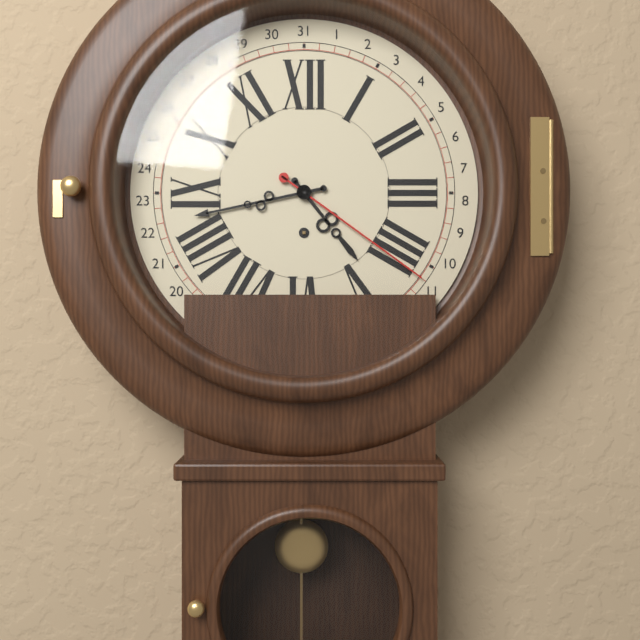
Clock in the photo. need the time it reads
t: 4:43:21
